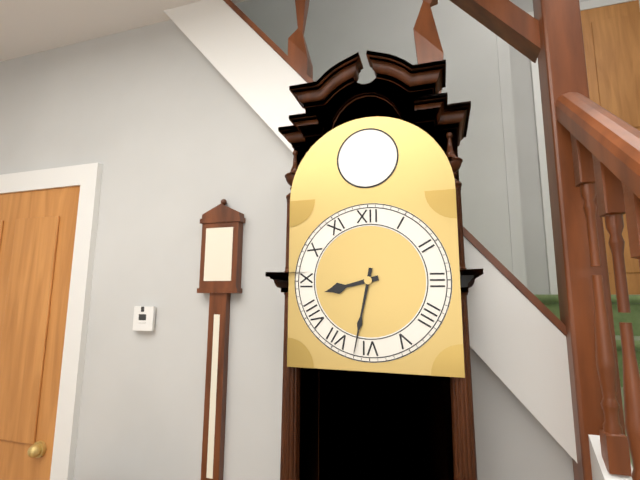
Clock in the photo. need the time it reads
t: 8:32
